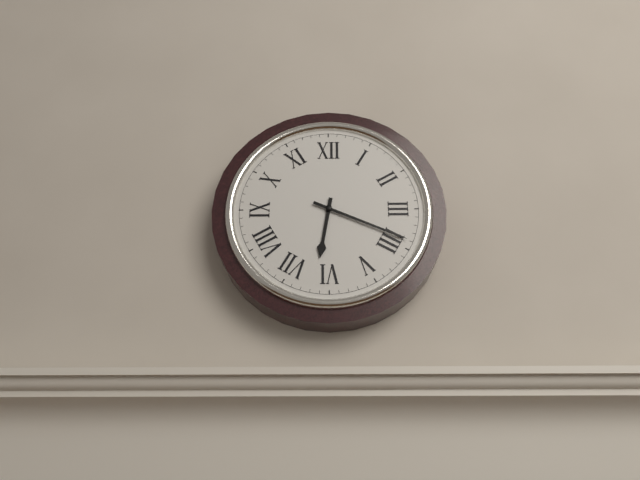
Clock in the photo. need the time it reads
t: 6:19
